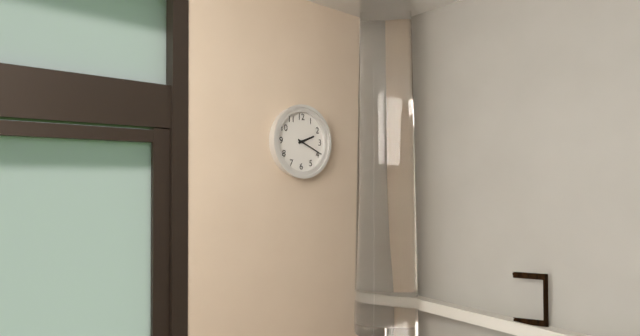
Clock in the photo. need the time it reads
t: 2:19
